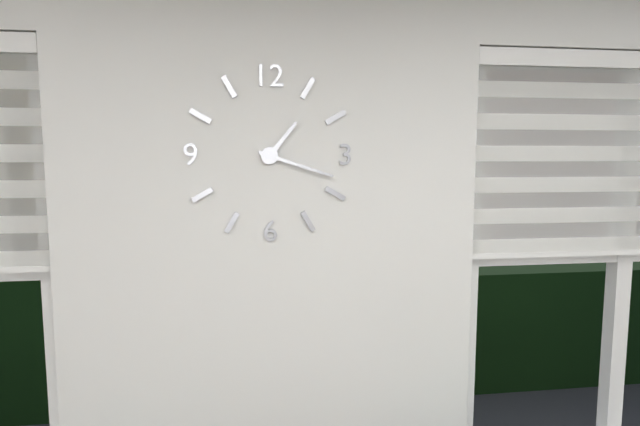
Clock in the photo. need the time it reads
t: 1:18
